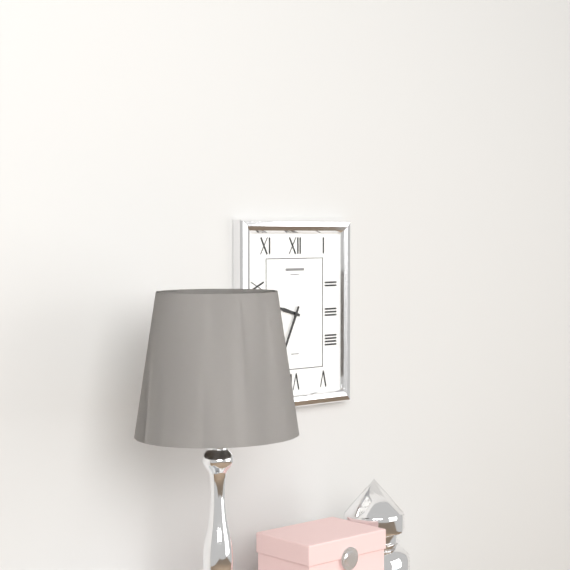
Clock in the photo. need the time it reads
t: 9:34
